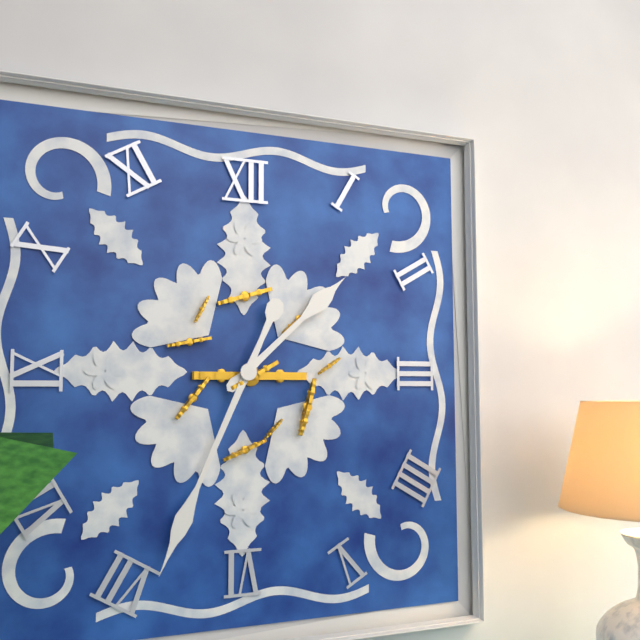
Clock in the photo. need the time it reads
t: 1:34
